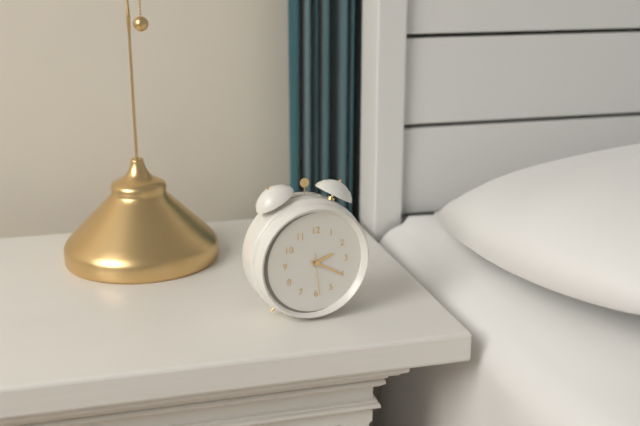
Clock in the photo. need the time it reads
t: 2:20
